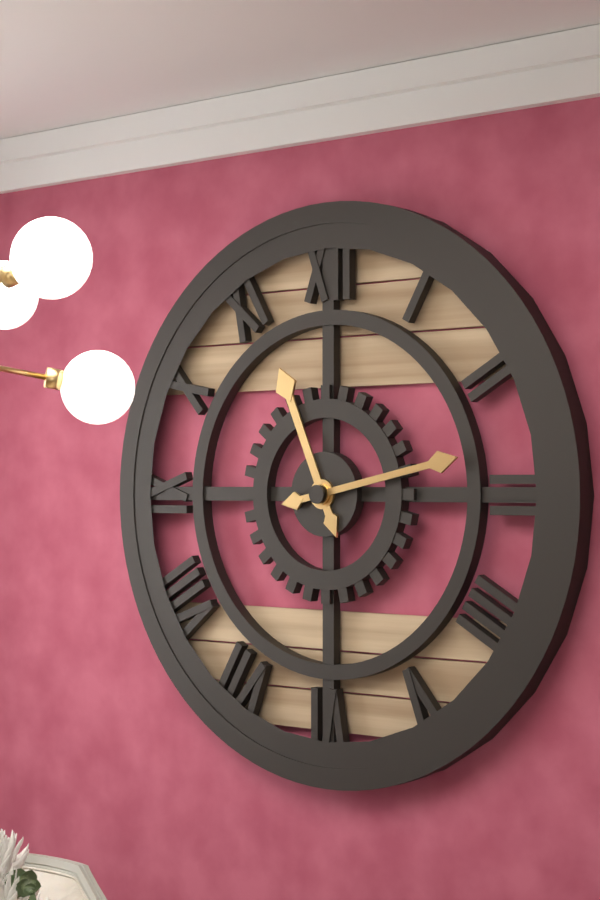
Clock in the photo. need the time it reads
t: 11:13
